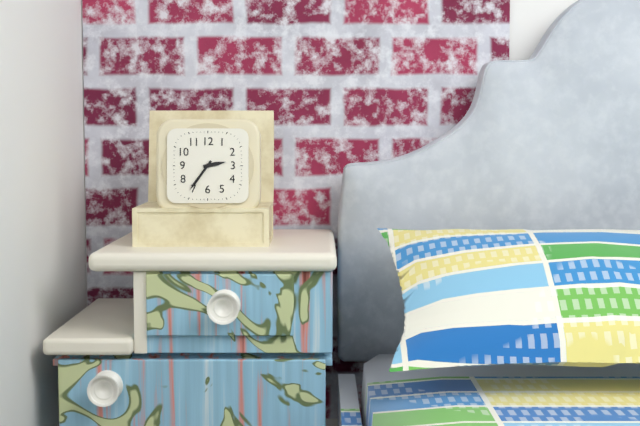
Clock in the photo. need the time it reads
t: 2:36
